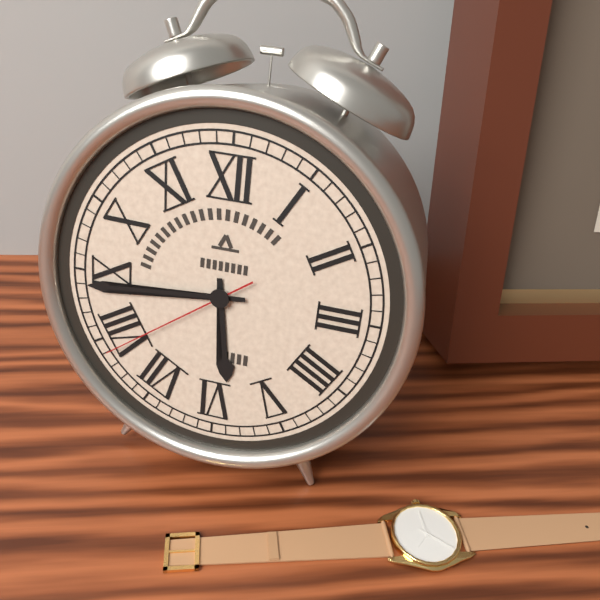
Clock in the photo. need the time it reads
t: 5:44:39
